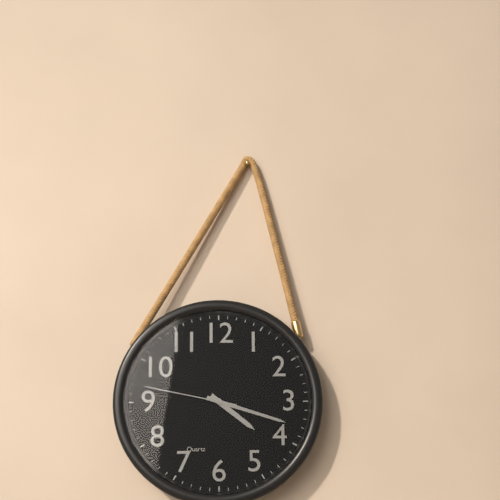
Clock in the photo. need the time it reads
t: 4:18:47
